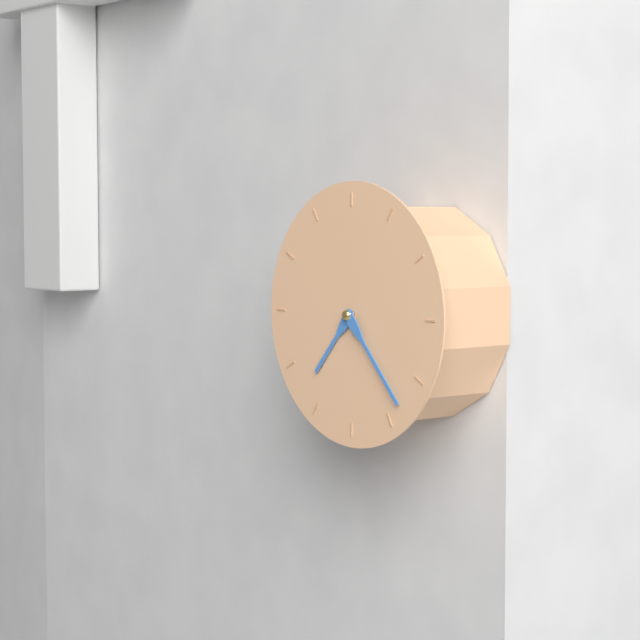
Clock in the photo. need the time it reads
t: 7:23
